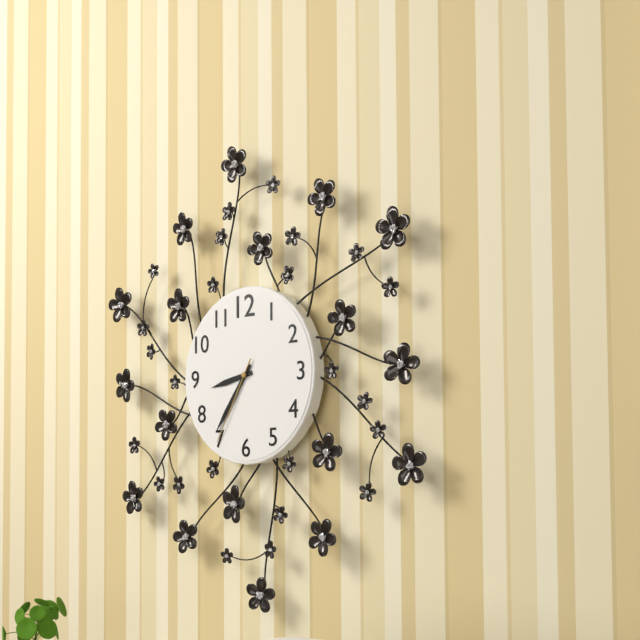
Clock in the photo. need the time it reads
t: 8:36:35
